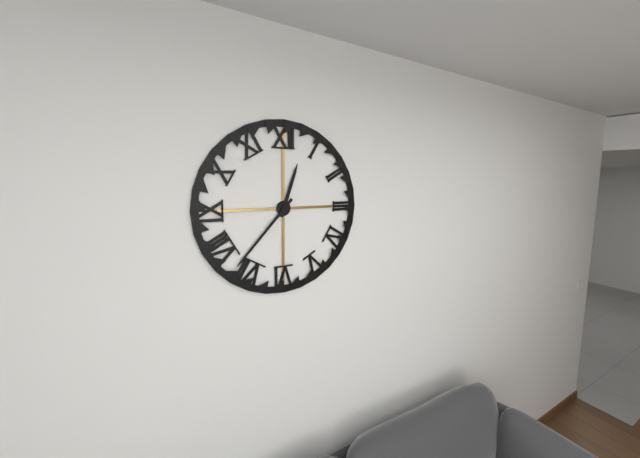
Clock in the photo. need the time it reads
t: 12:37
